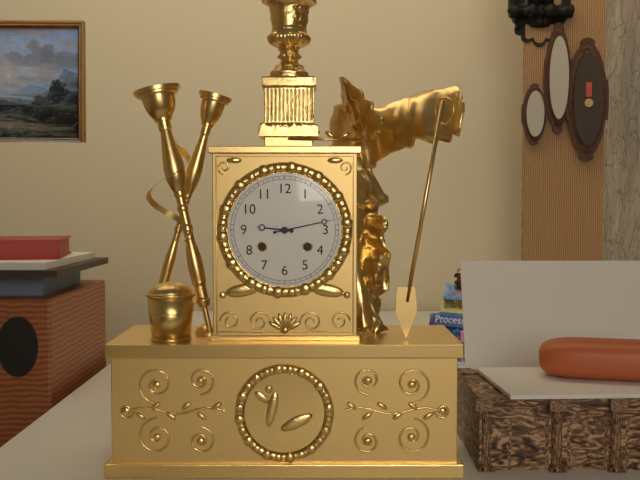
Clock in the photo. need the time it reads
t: 9:13
